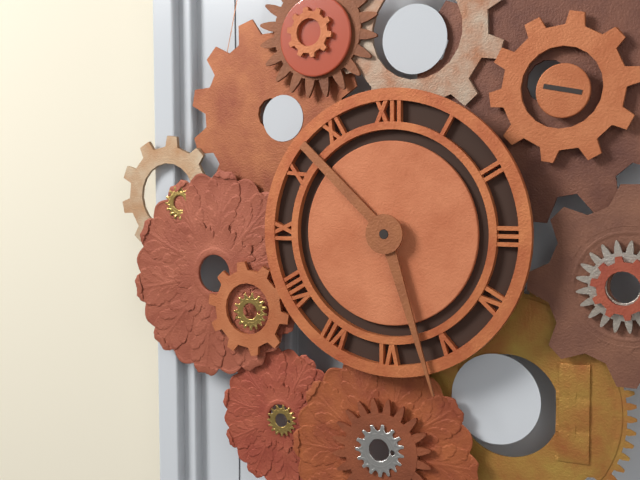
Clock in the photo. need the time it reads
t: 10:27
